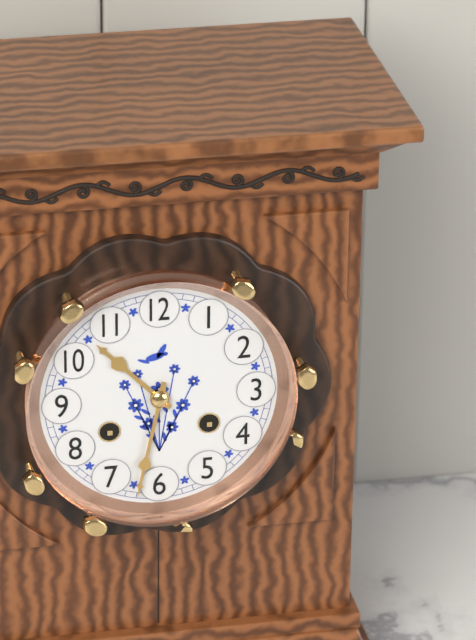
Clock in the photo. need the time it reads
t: 10:32
